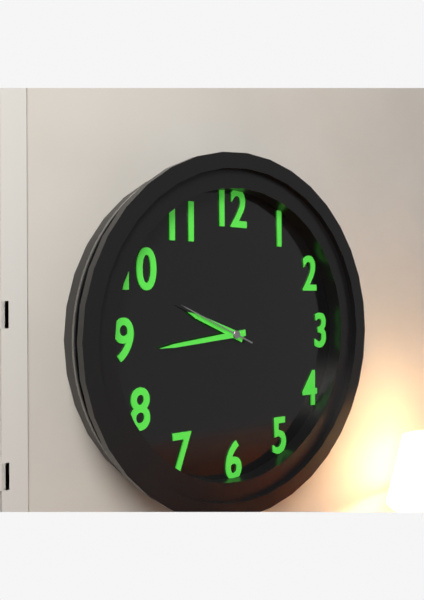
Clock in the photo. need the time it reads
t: 9:44:49
